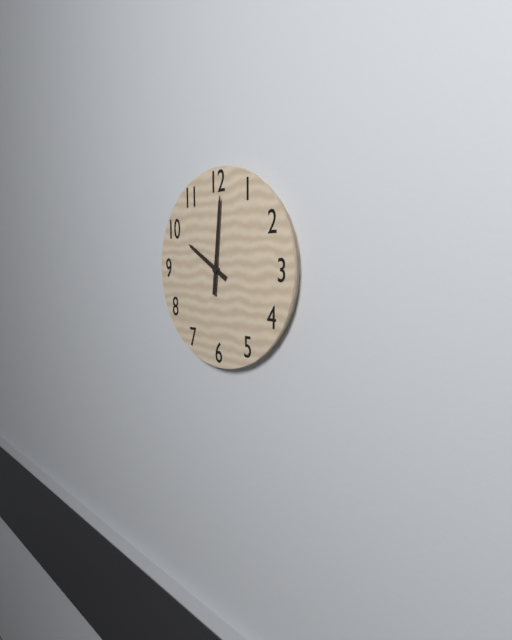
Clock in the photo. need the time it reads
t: 10:01
